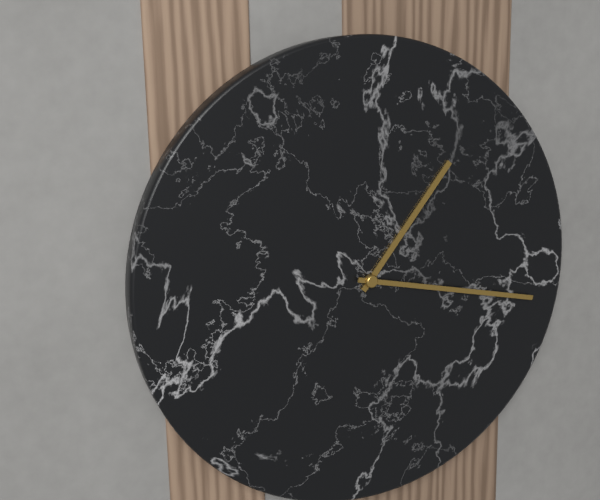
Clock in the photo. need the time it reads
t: 1:17
